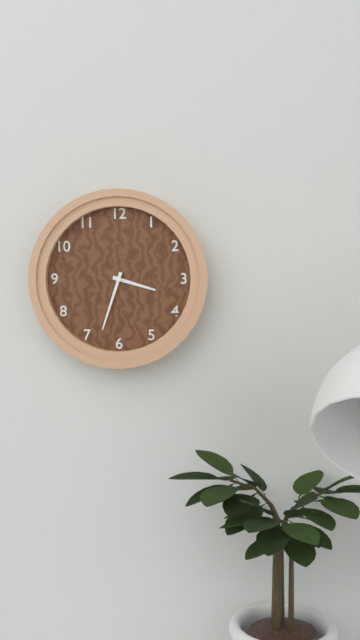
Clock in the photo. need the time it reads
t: 3:33
